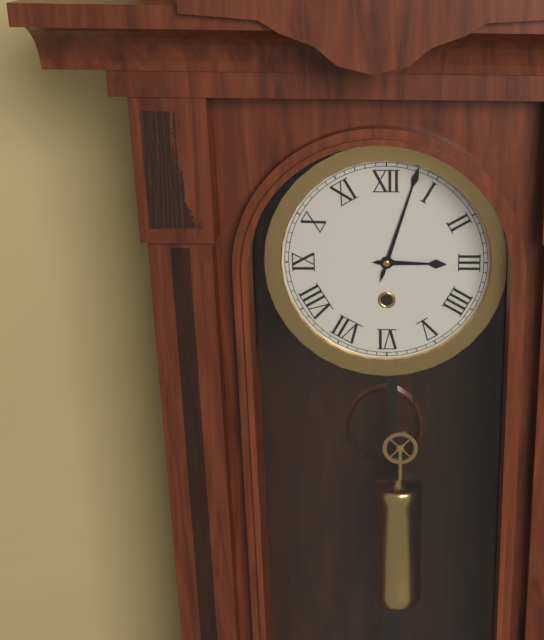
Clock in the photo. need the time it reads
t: 3:03
